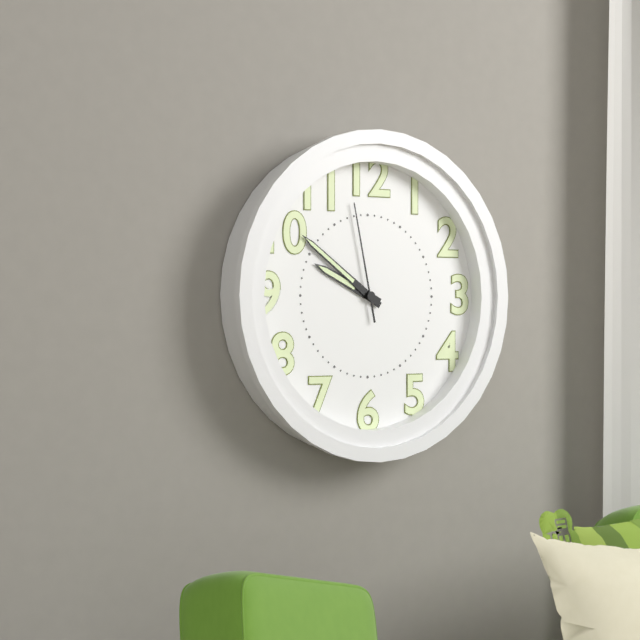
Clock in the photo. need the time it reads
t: 9:51:58
